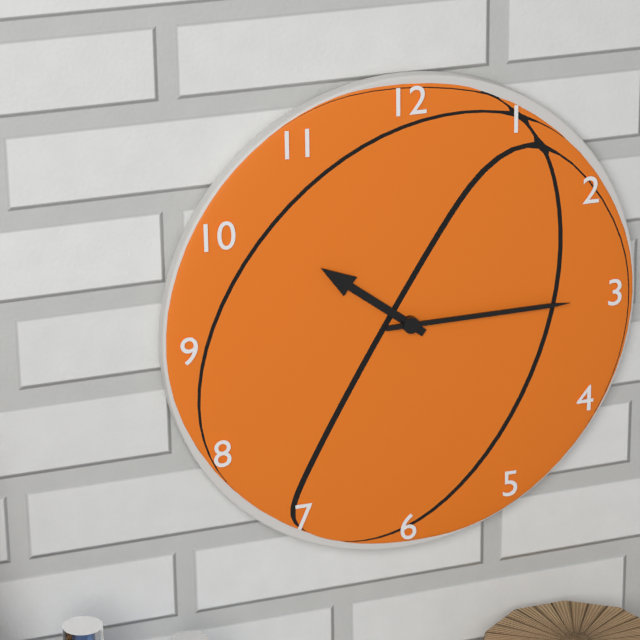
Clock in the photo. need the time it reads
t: 10:15
